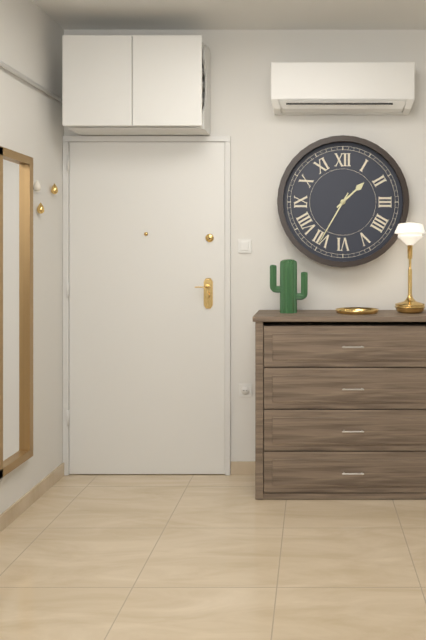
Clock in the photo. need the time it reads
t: 1:35
